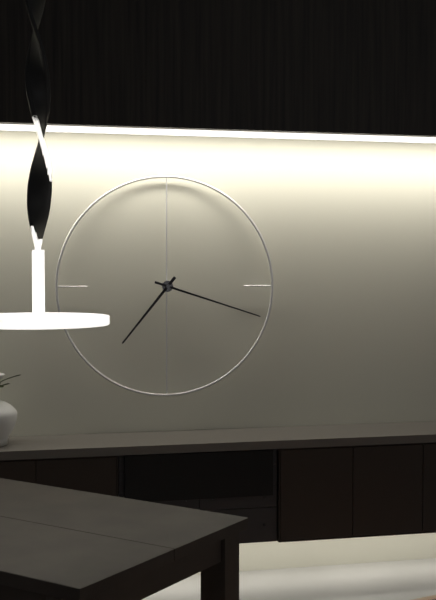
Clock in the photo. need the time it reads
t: 7:18
